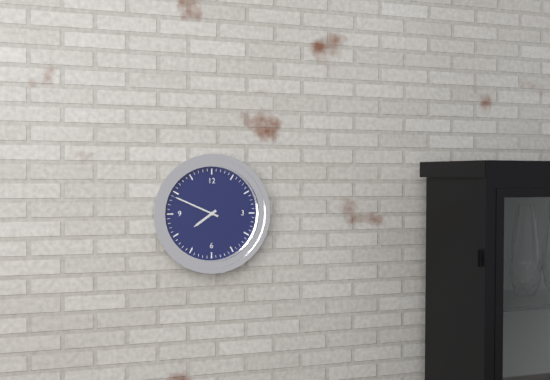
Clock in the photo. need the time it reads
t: 7:49
